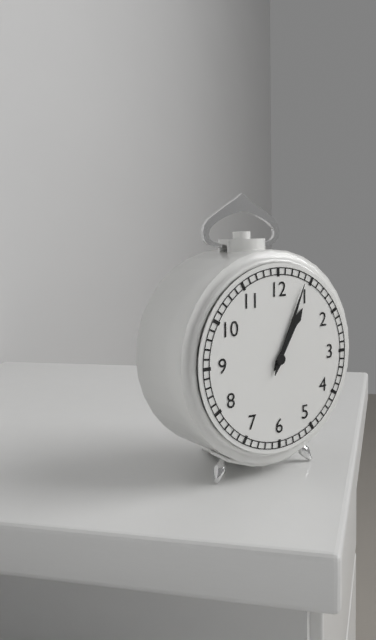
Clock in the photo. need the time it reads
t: 1:04
